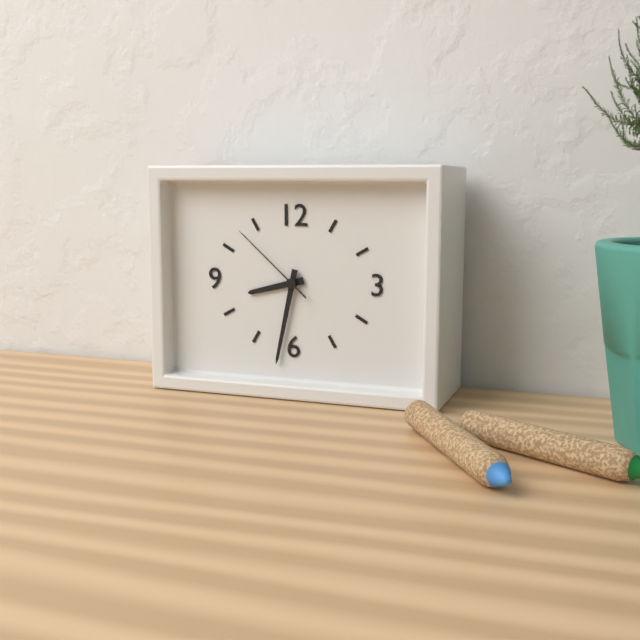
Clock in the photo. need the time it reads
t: 8:32:52
